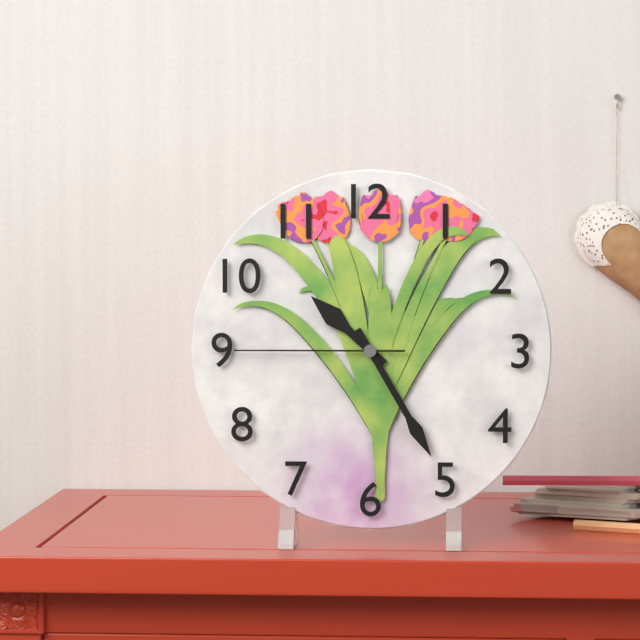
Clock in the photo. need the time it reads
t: 10:25:45
